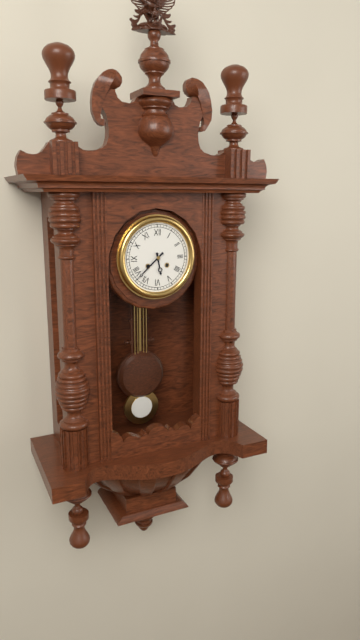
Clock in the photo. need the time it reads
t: 5:38
